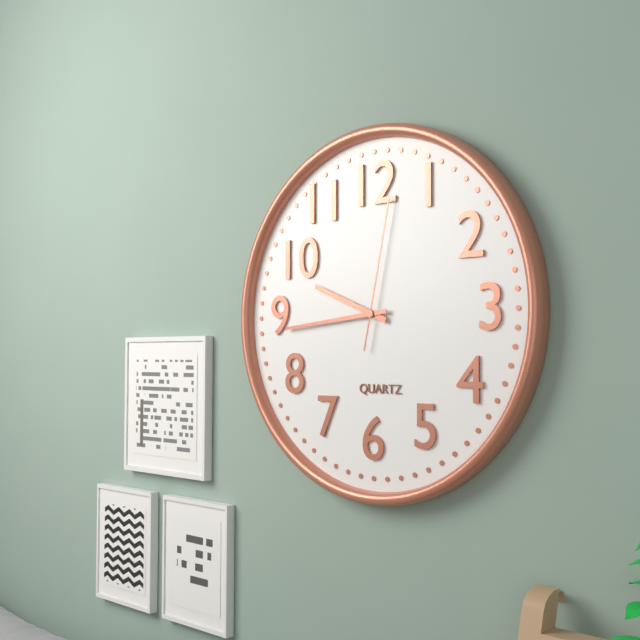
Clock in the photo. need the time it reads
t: 9:44:02
